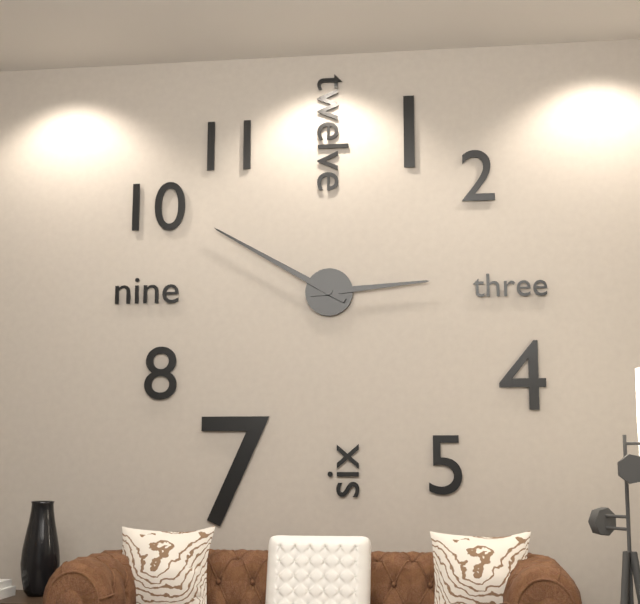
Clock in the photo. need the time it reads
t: 2:50
